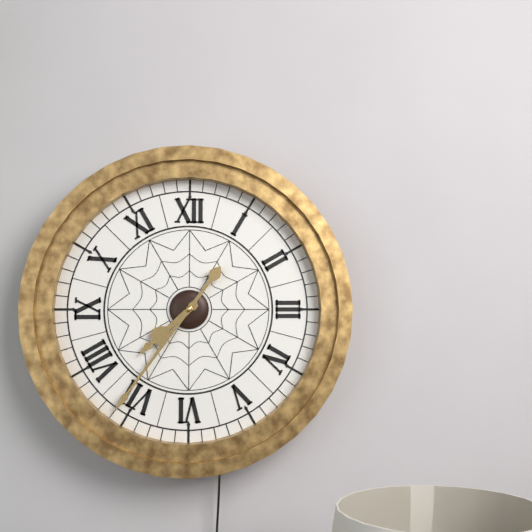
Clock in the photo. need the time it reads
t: 7:36
